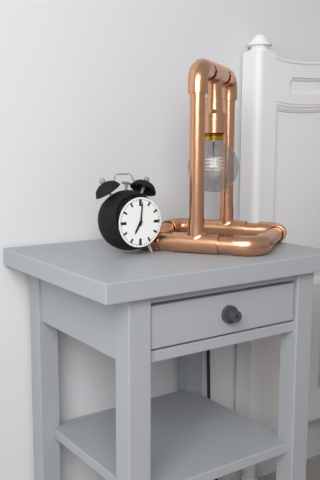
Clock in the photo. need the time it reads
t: 7:01
